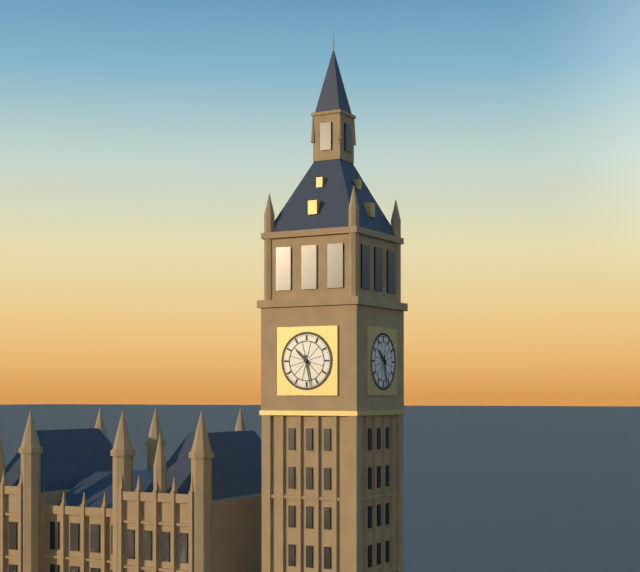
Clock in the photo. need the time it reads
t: 10:28
